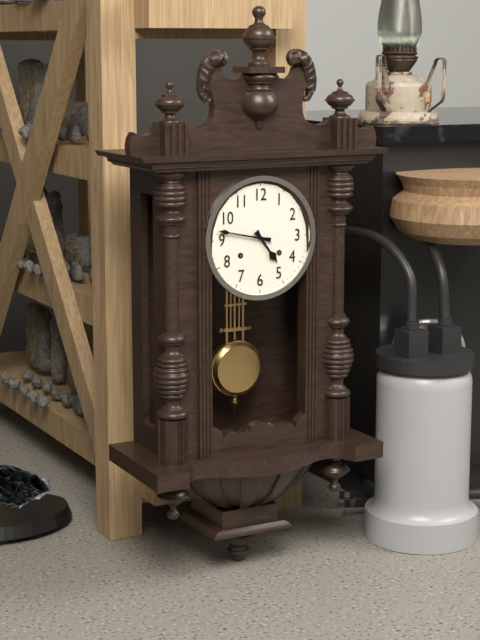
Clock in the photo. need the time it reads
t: 4:47
